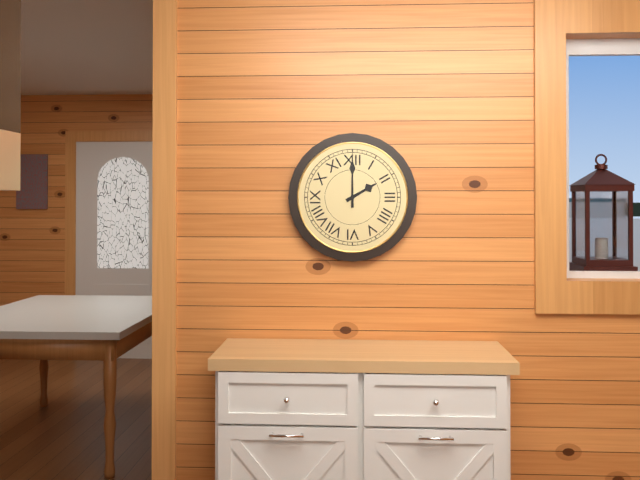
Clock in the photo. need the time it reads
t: 2:00
